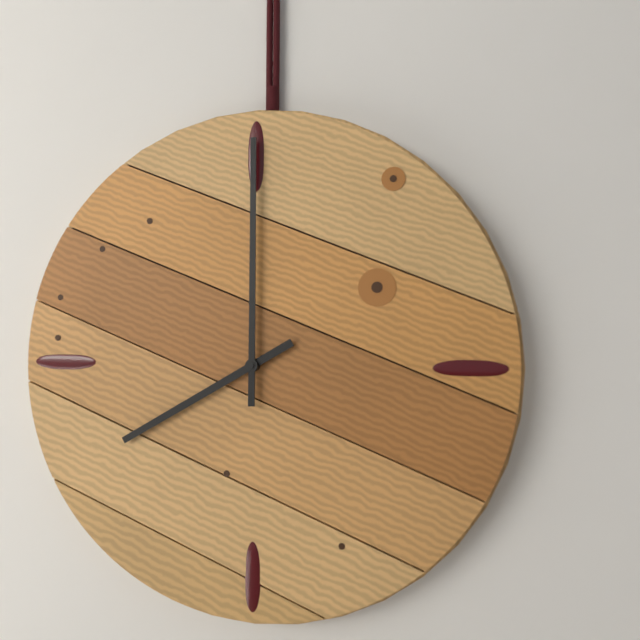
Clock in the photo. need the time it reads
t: 8:00
